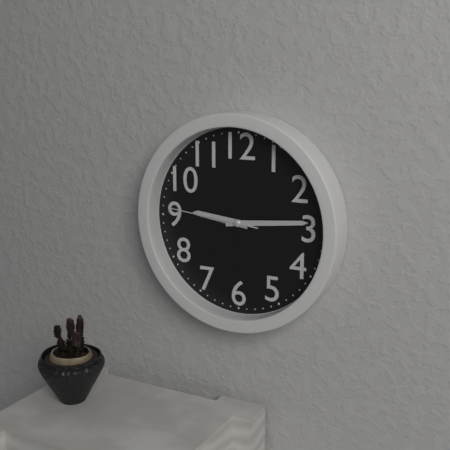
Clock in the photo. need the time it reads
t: 9:14:46
